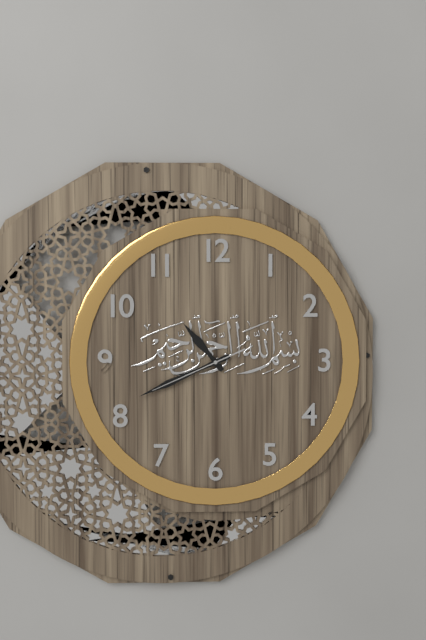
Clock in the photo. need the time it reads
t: 10:41:41
